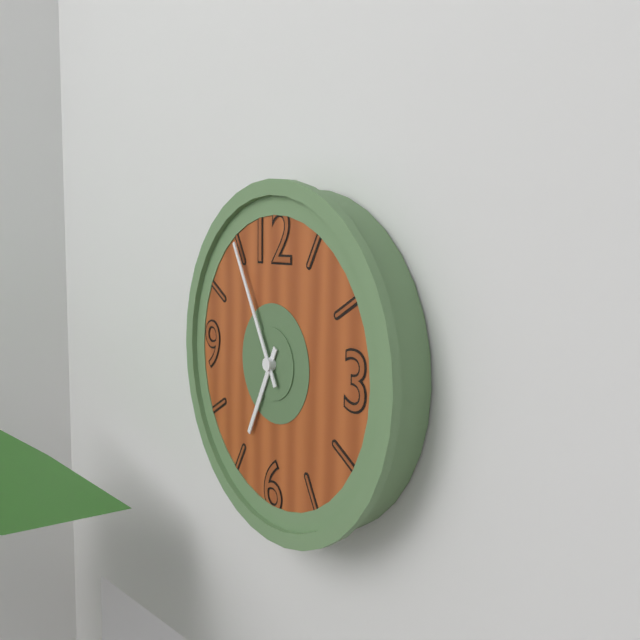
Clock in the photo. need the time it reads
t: 6:55
